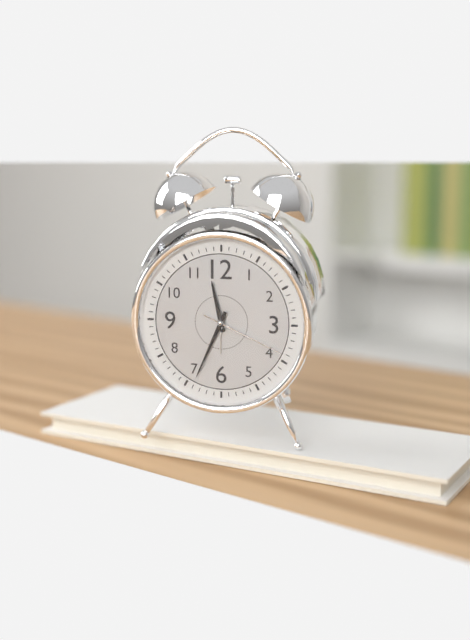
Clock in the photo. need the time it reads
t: 11:34:19
